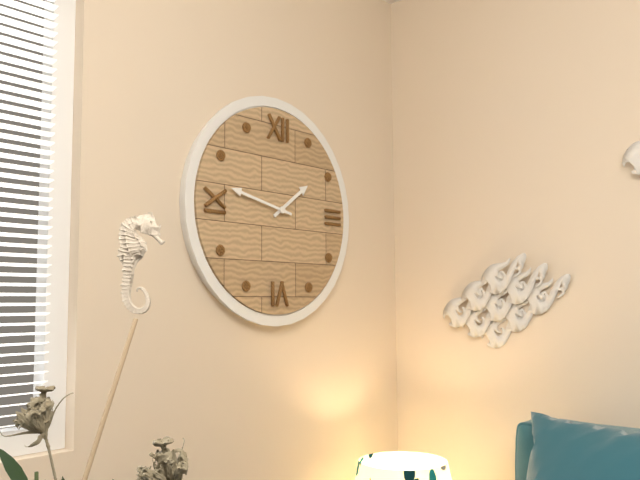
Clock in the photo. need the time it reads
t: 1:47
